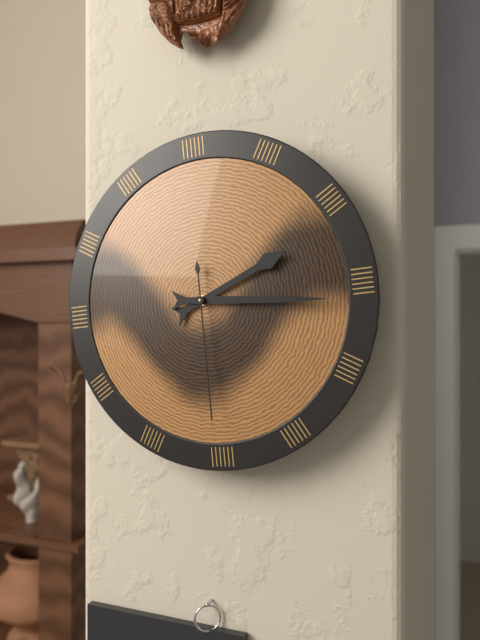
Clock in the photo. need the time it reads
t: 2:16:30
